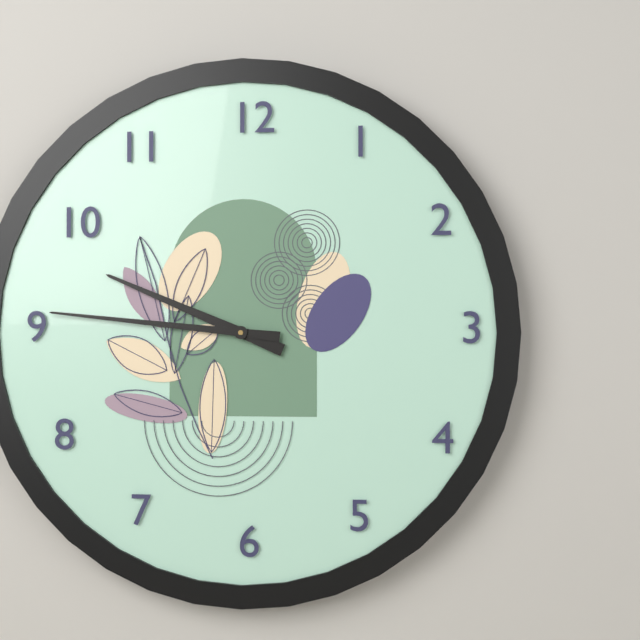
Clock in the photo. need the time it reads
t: 9:46
